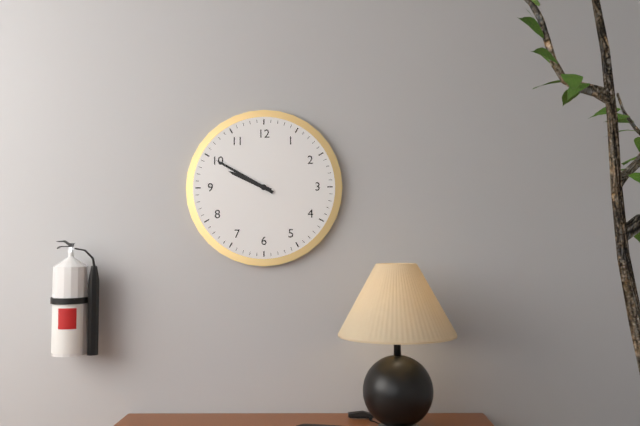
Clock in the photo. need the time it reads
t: 9:50
